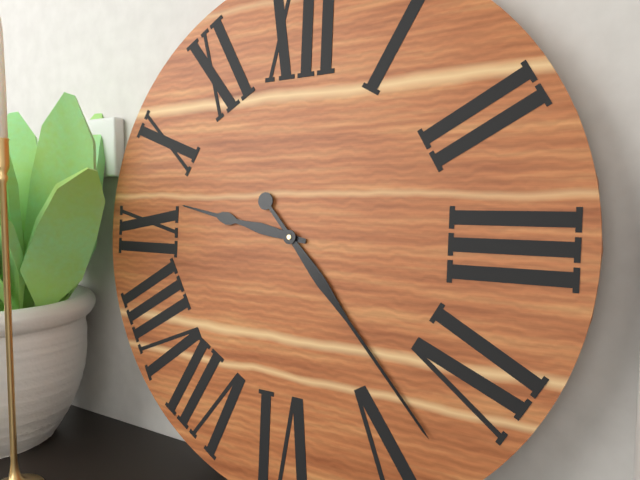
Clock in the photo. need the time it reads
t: 9:23
